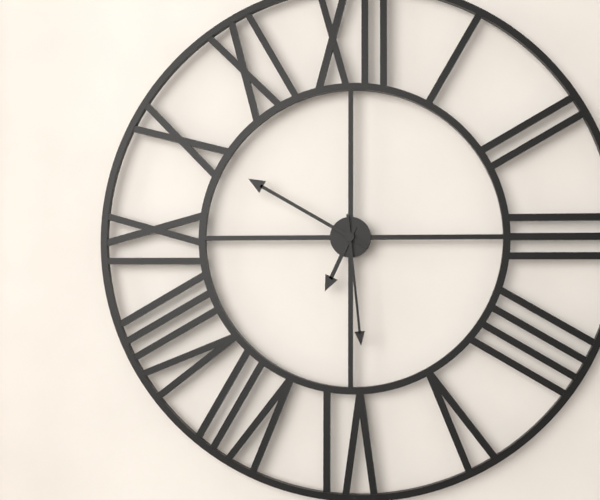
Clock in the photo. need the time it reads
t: 6:50:29
